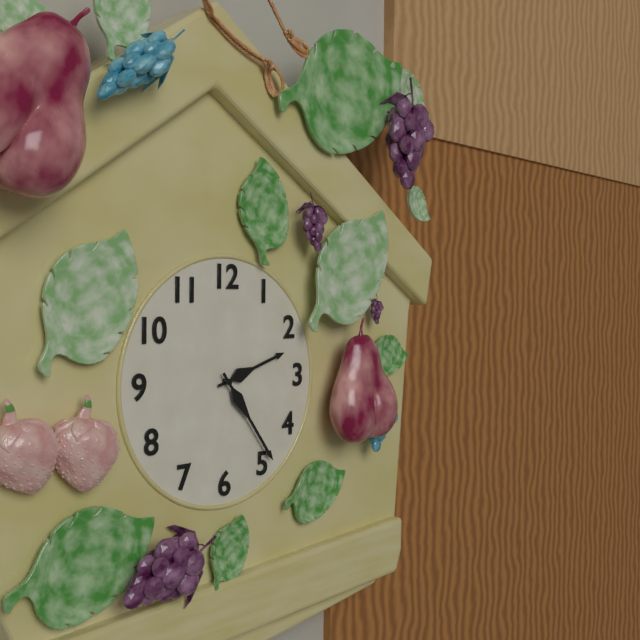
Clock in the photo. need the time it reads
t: 2:24
